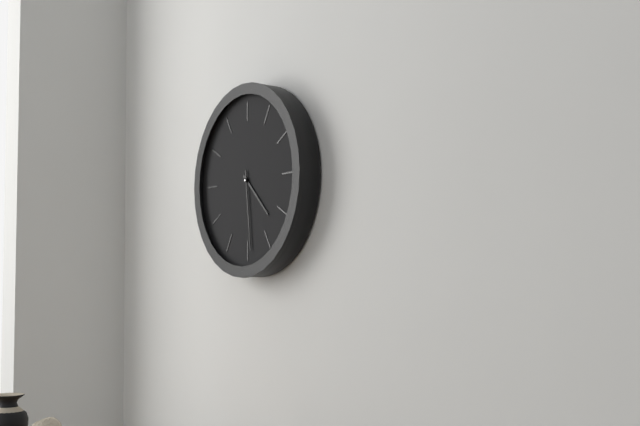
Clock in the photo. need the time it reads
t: 4:29
